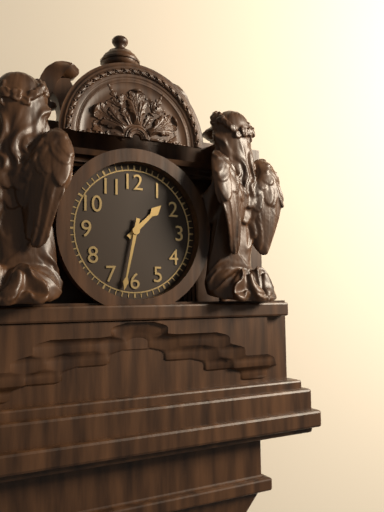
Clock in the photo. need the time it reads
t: 1:32
